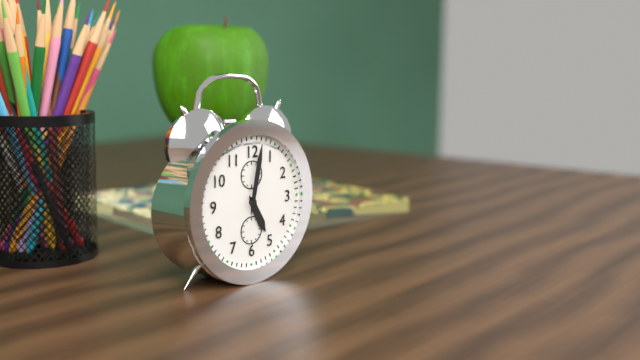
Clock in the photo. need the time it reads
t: 5:02
